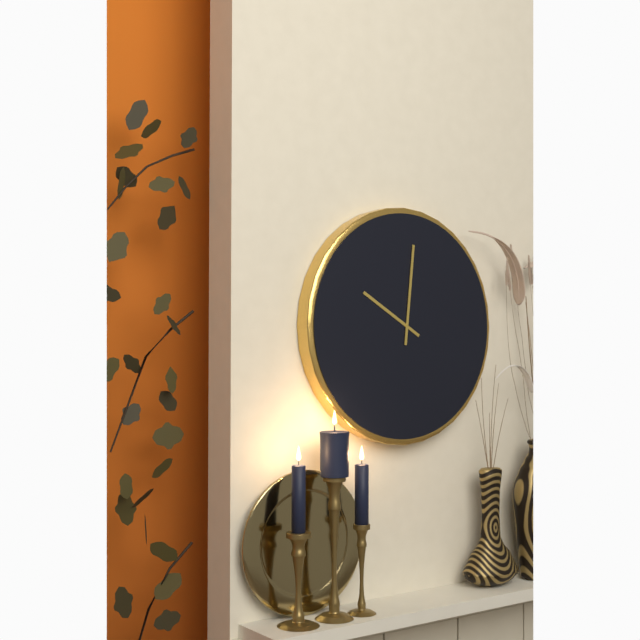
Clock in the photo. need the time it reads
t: 10:01
